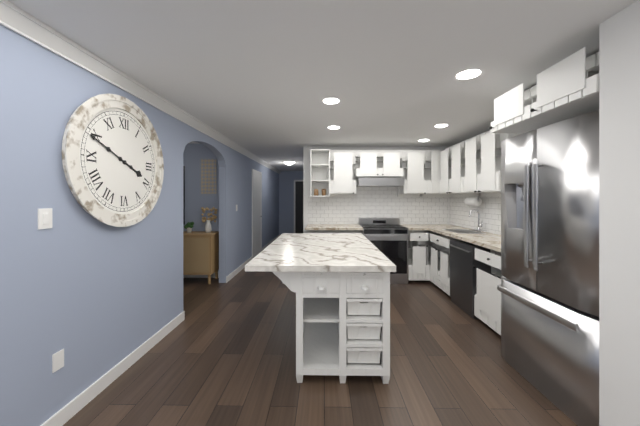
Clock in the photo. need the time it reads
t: 3:49
